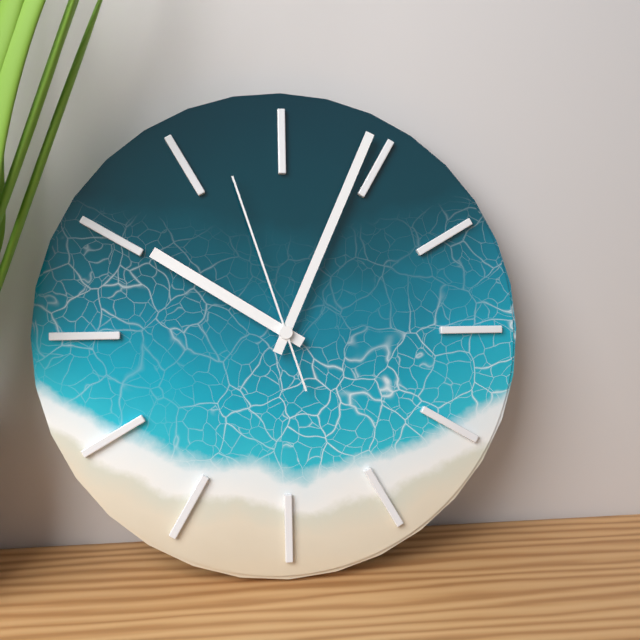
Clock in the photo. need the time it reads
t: 10:04:57
